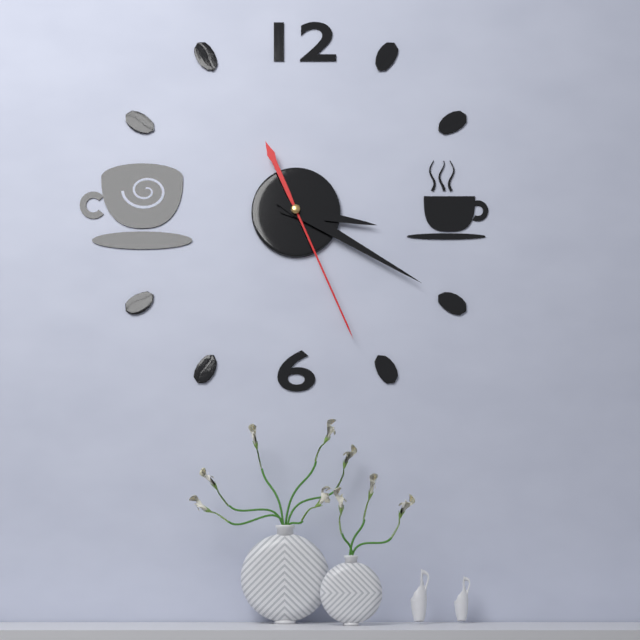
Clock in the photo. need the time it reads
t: 3:20:26
